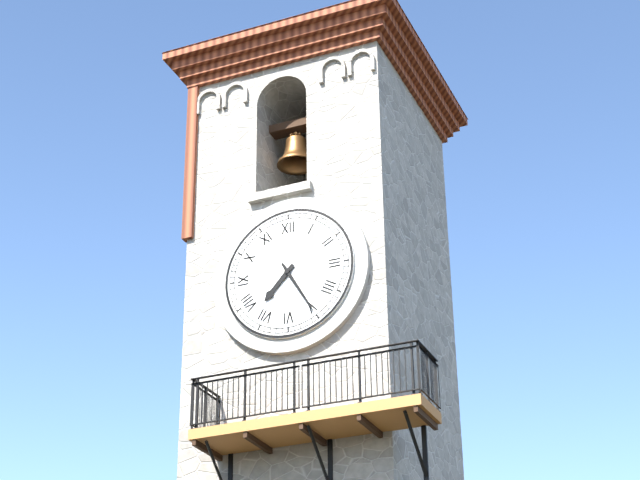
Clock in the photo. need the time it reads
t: 7:25
